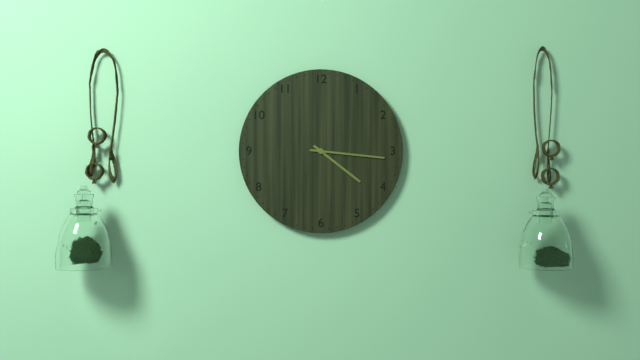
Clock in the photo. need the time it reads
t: 4:16
